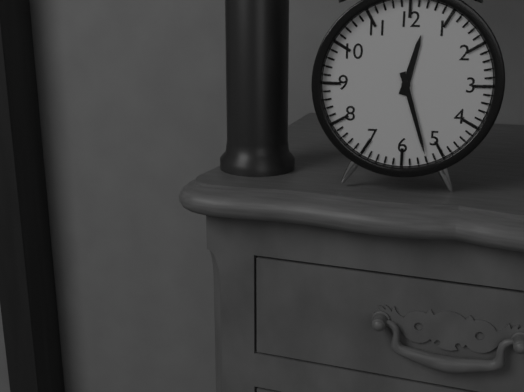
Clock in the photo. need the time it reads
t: 12:27
